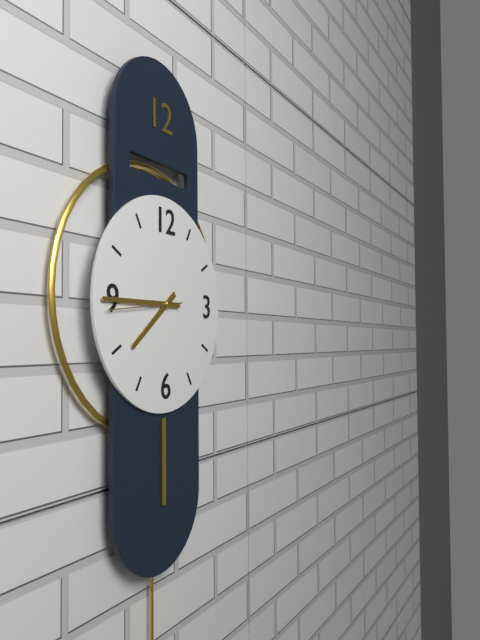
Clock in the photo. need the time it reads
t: 7:45:44
